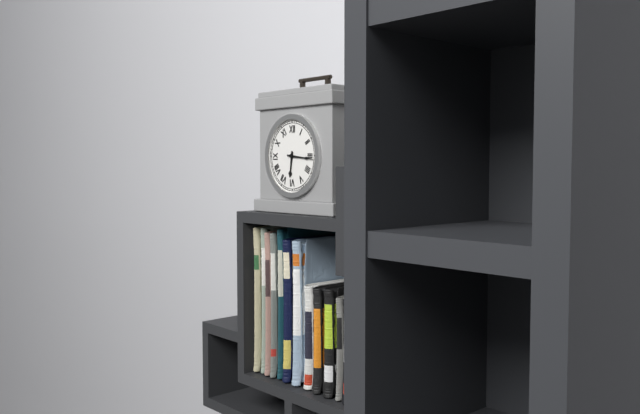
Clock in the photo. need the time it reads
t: 6:16
